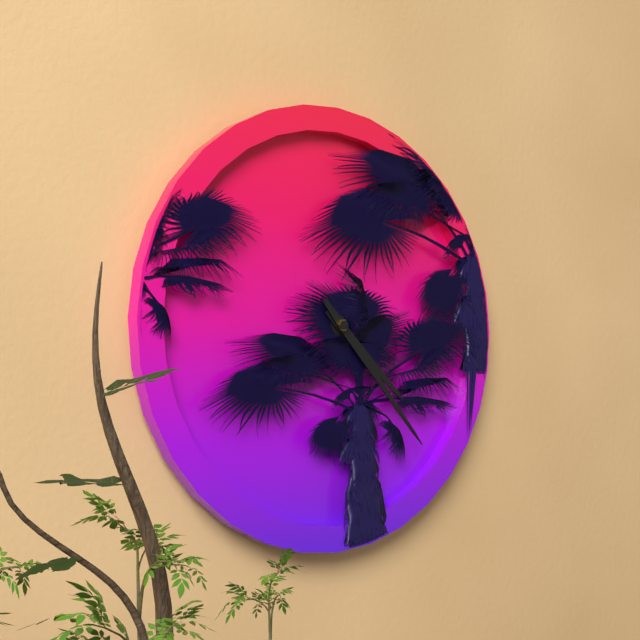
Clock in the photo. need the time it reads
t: 4:23
